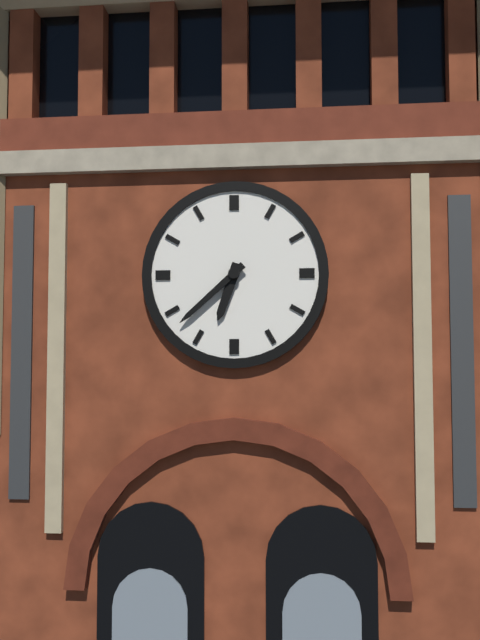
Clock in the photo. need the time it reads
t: 6:38
